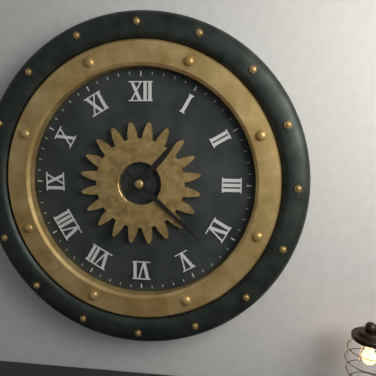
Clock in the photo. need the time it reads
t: 1:22
